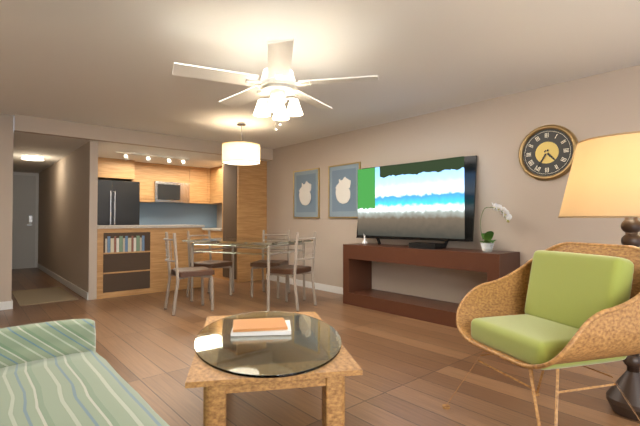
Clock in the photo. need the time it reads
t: 4:35
